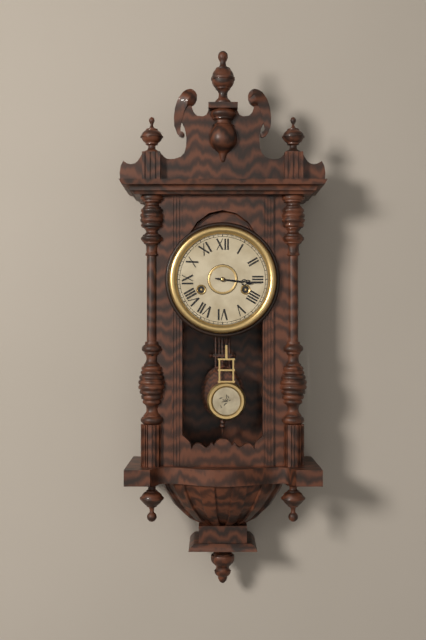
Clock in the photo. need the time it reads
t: 3:16
